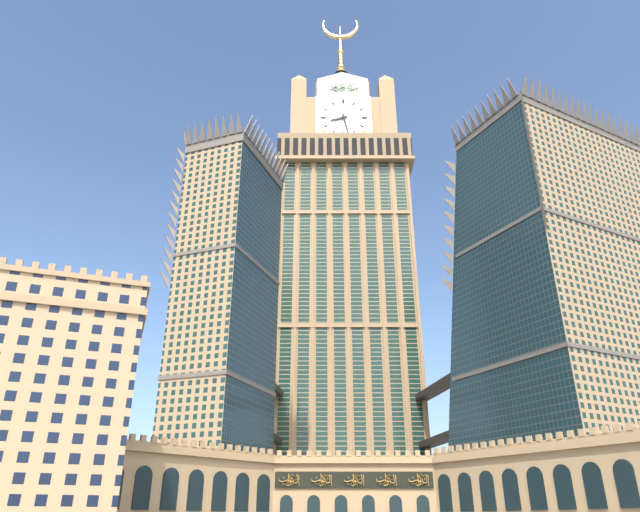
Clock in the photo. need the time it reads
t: 8:28
